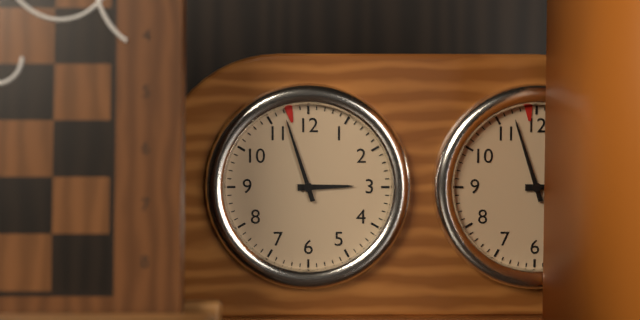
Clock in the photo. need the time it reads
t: 2:57
